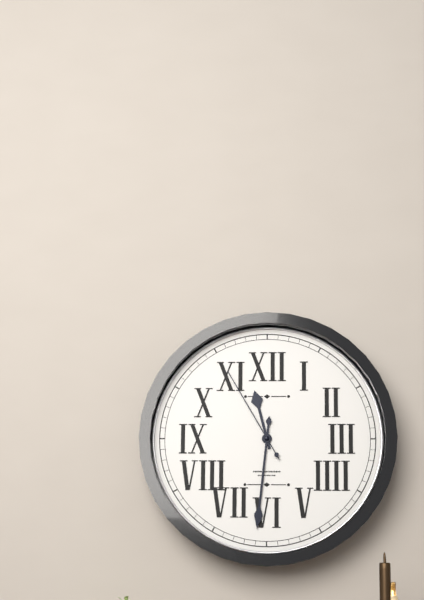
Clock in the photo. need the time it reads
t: 11:31:55
